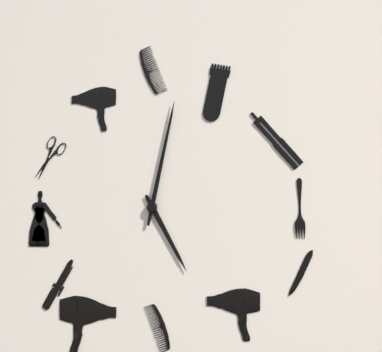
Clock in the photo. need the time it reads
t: 5:02
